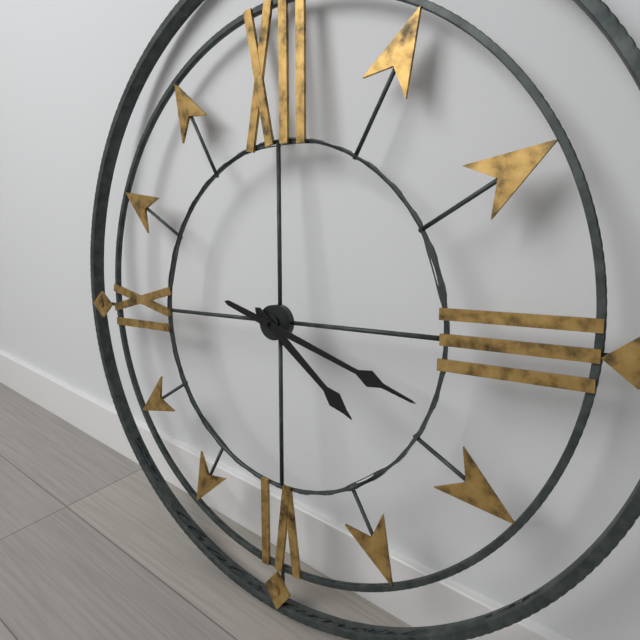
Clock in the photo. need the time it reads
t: 4:18
